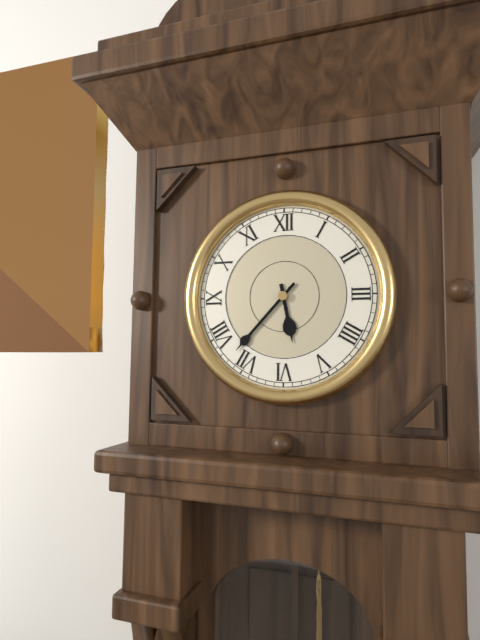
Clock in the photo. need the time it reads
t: 5:37
